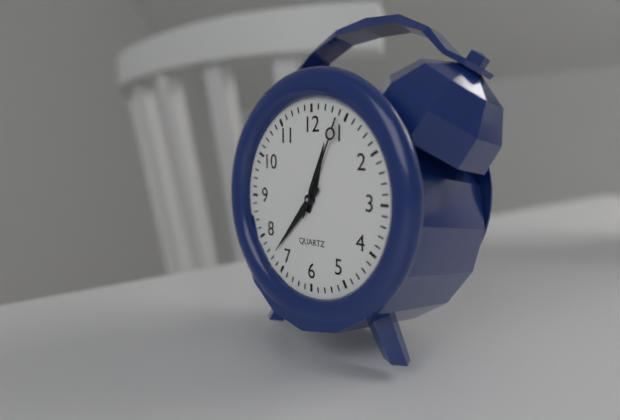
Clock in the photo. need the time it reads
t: 12:37:04
